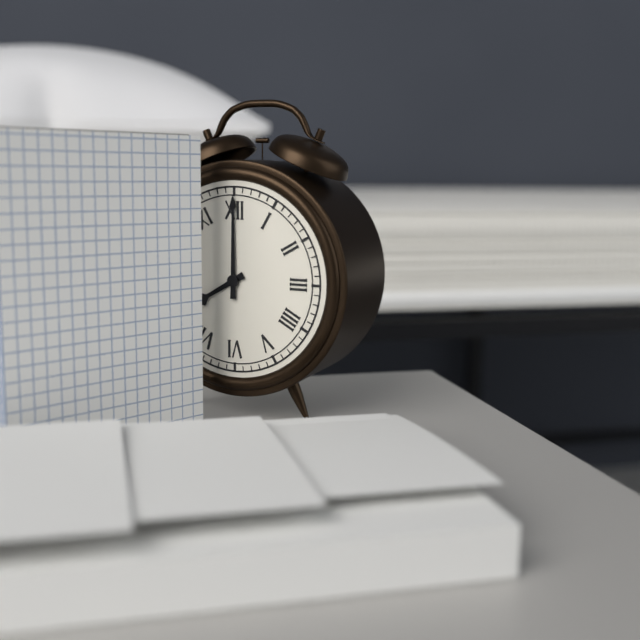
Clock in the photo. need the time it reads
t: 8:00
